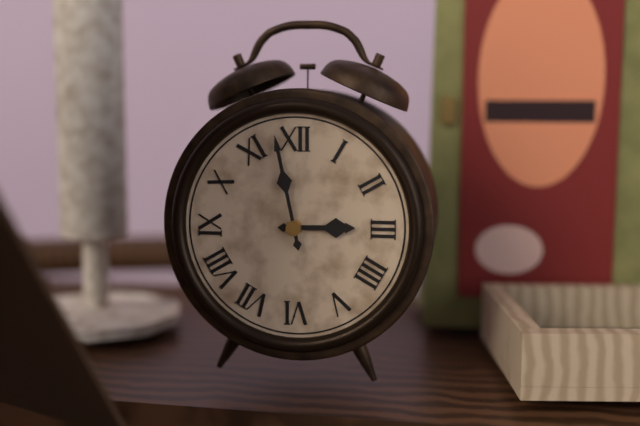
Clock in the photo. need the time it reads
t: 2:58
